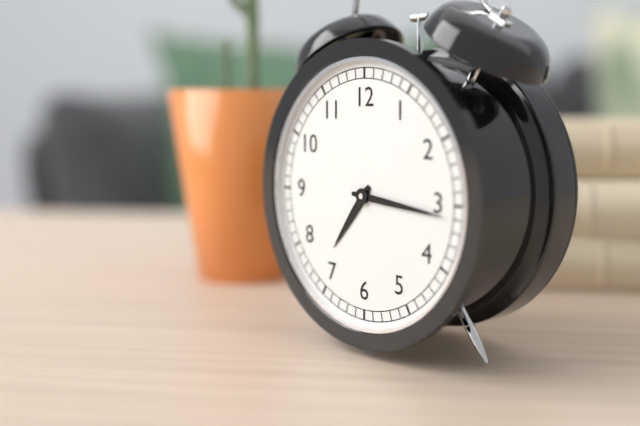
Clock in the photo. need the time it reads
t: 7:16
